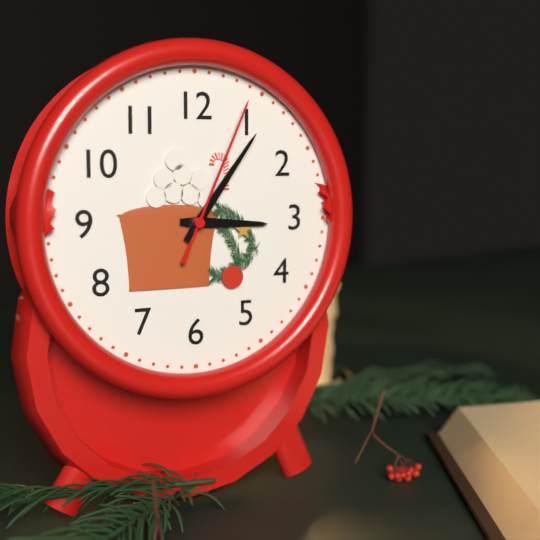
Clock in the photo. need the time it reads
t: 3:06:04
